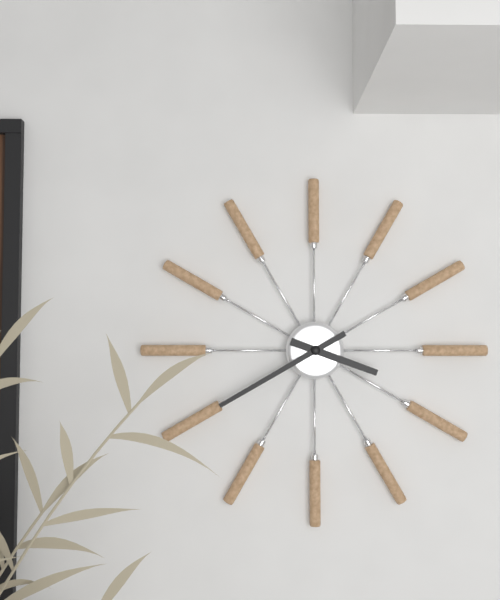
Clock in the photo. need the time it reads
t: 3:40
